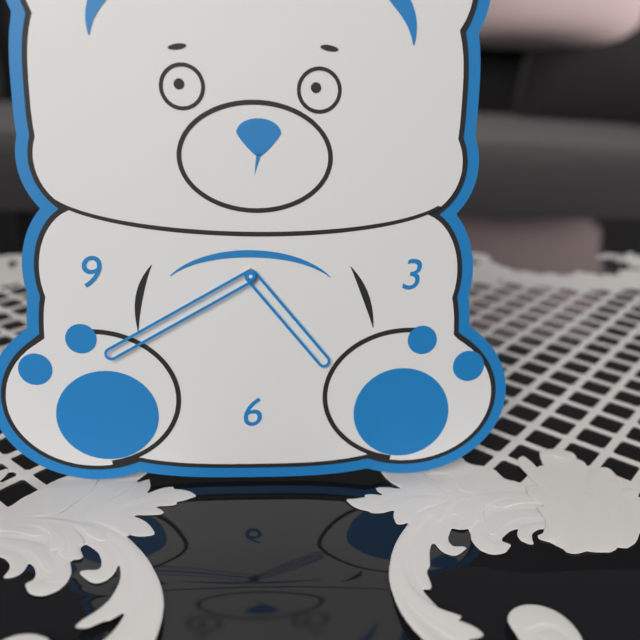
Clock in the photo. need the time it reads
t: 4:40
